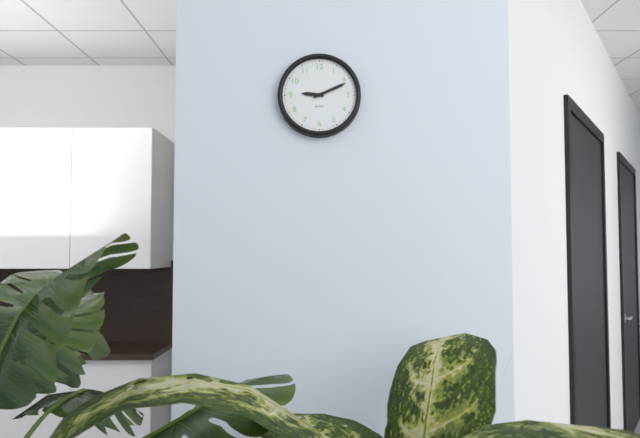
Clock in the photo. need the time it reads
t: 9:11
